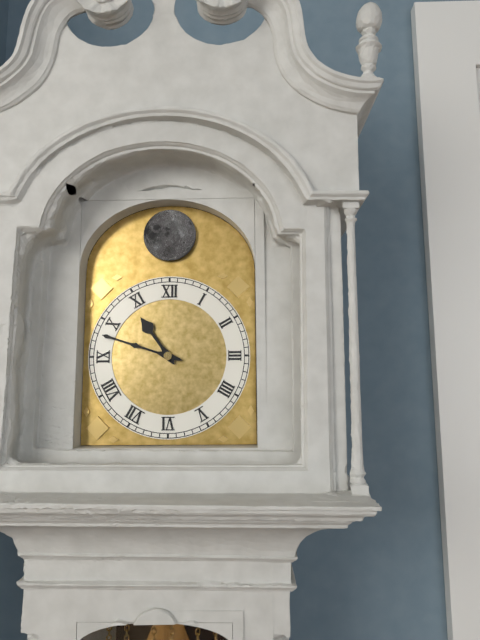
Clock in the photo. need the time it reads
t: 10:48
